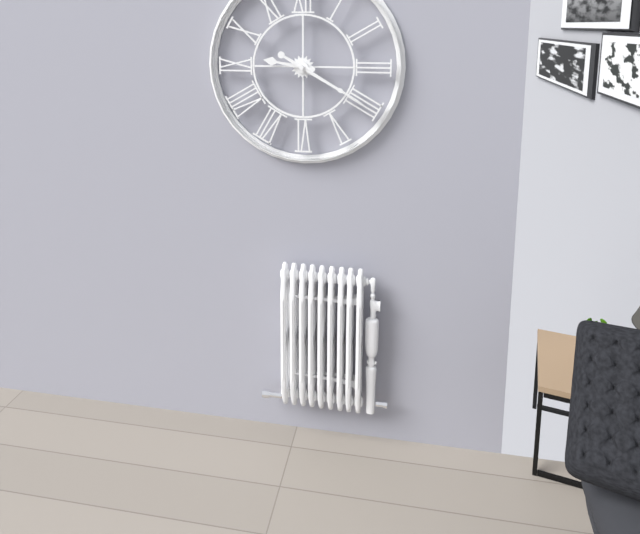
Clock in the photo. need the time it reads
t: 9:20
